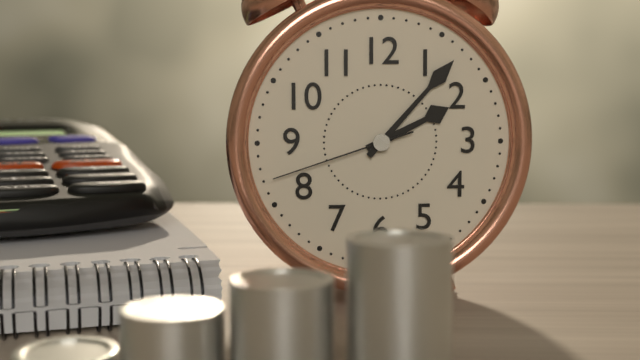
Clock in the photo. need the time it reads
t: 2:07:42
